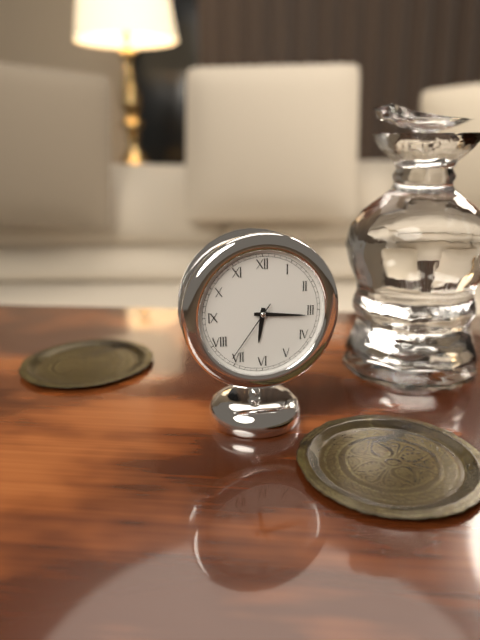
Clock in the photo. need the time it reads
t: 6:16:36
